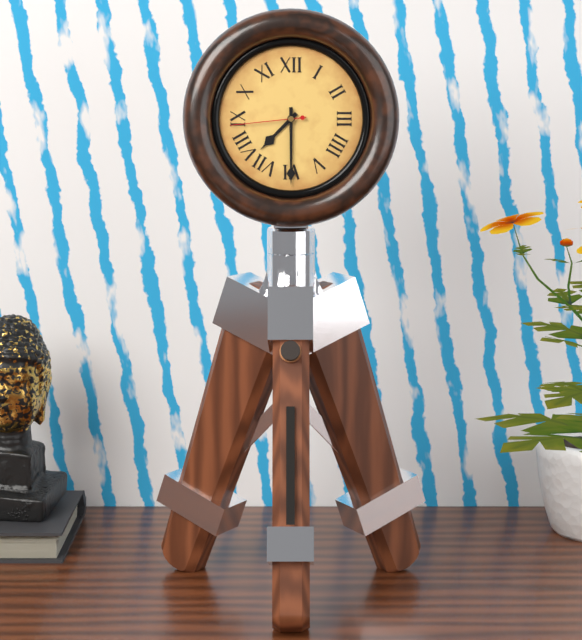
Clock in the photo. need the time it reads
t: 7:30:44
